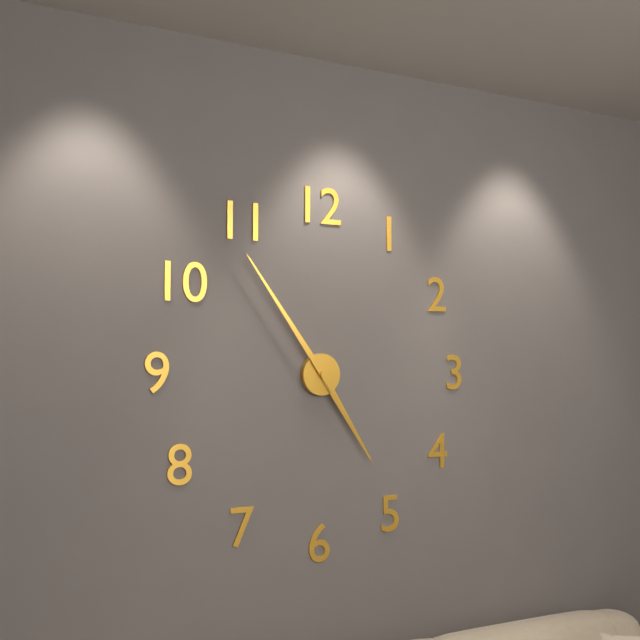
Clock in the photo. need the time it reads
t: 4:54
